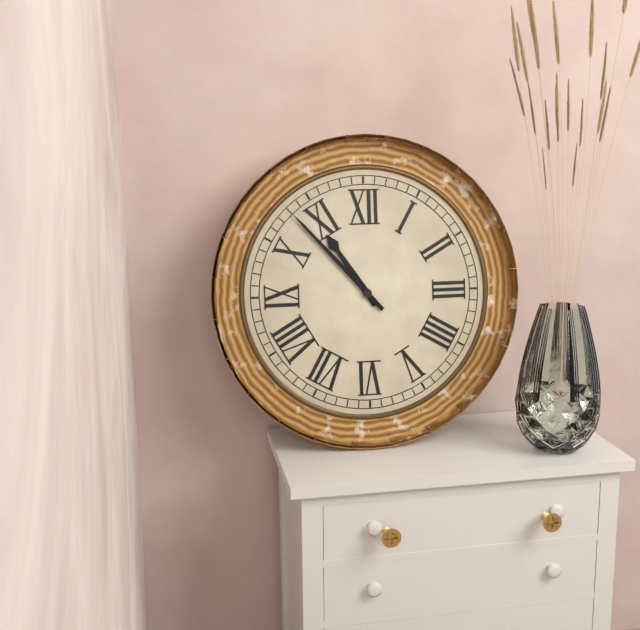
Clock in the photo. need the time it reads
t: 10:53
